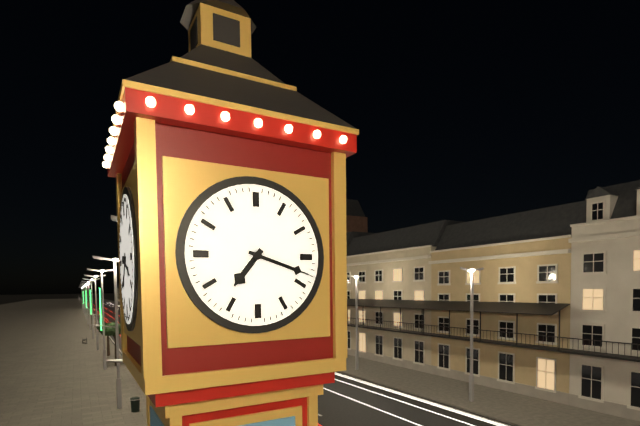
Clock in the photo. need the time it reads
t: 7:18
